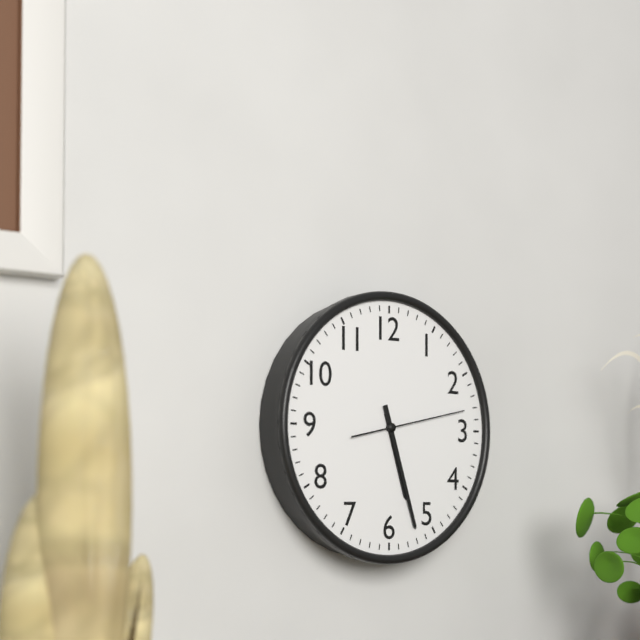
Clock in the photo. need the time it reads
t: 5:27:13
